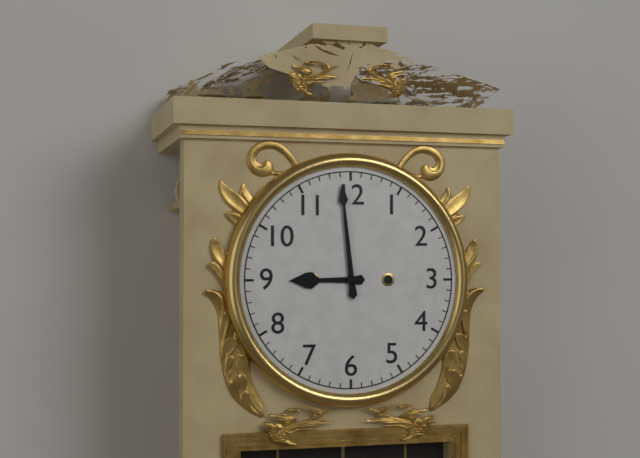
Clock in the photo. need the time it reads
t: 8:59
